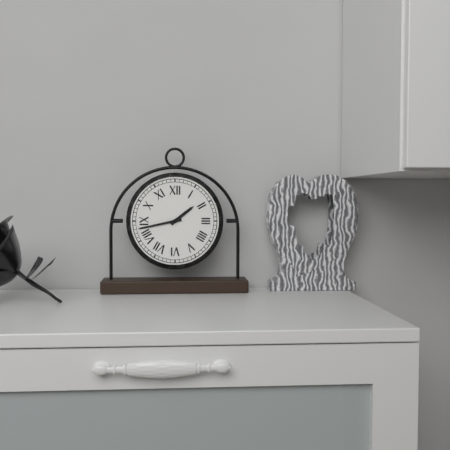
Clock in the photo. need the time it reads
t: 1:43
